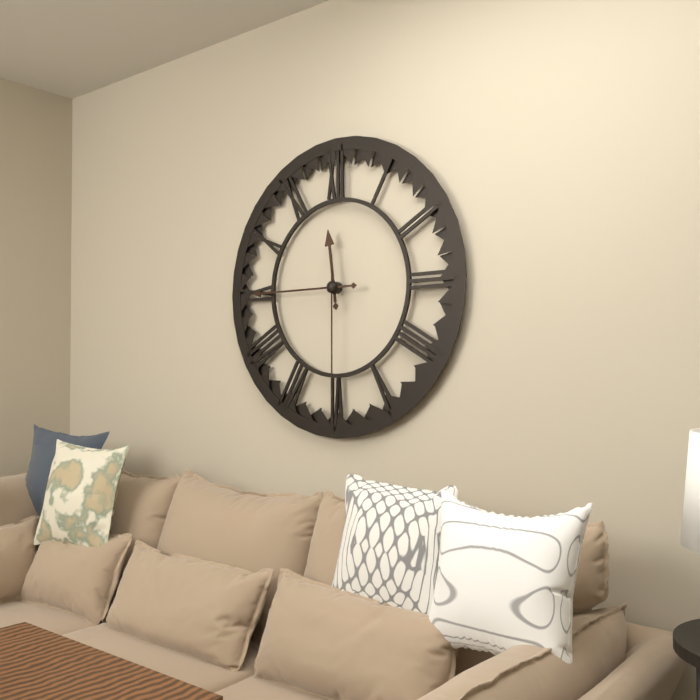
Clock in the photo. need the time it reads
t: 11:45:30
